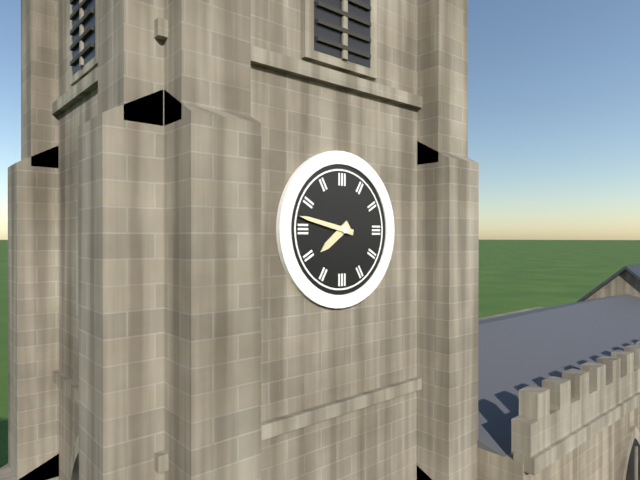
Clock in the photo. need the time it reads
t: 7:47
